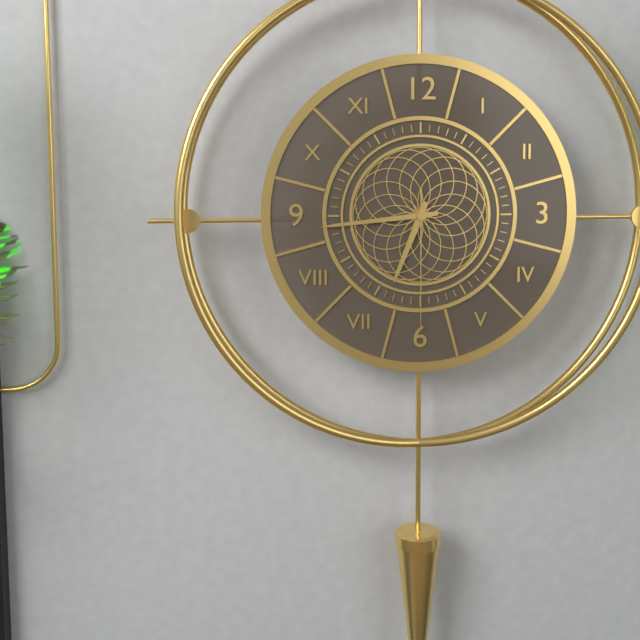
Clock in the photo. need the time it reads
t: 6:44:30
